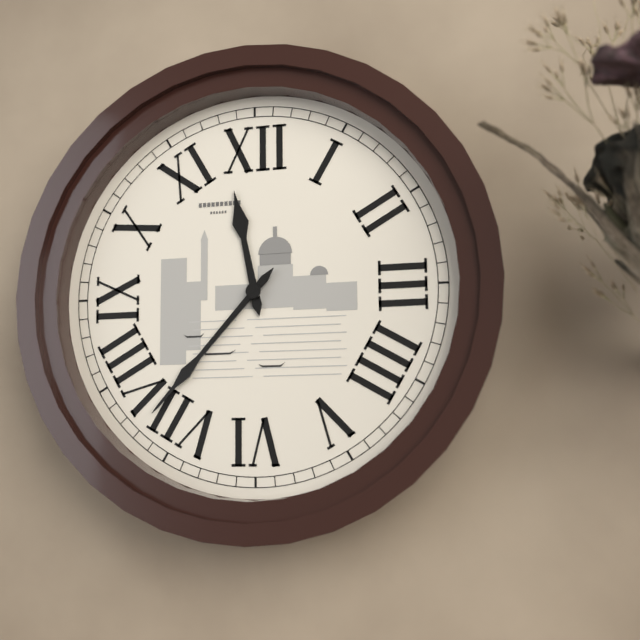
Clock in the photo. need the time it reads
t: 11:37
